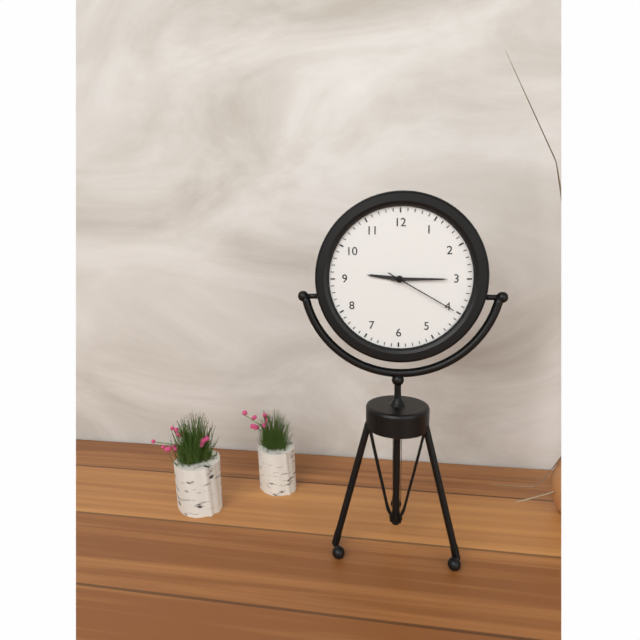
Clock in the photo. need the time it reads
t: 9:15:20
